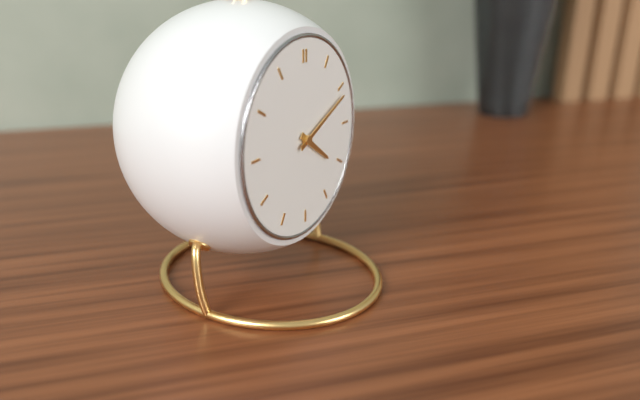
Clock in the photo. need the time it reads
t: 4:11
